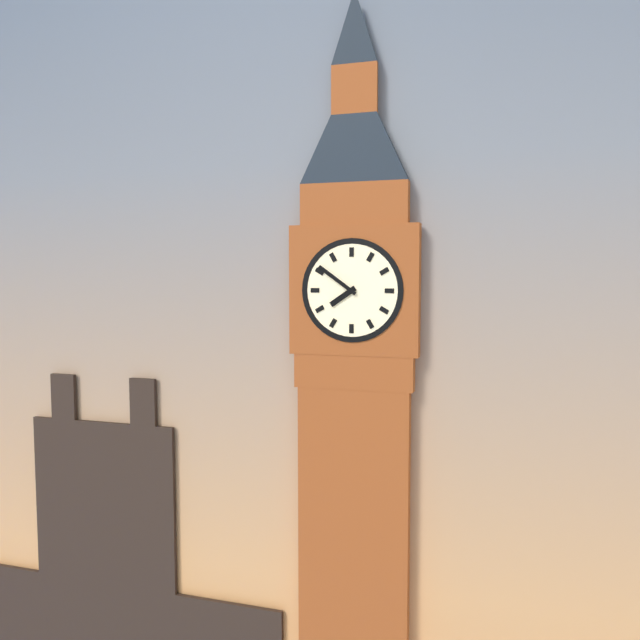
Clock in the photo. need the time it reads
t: 7:51
